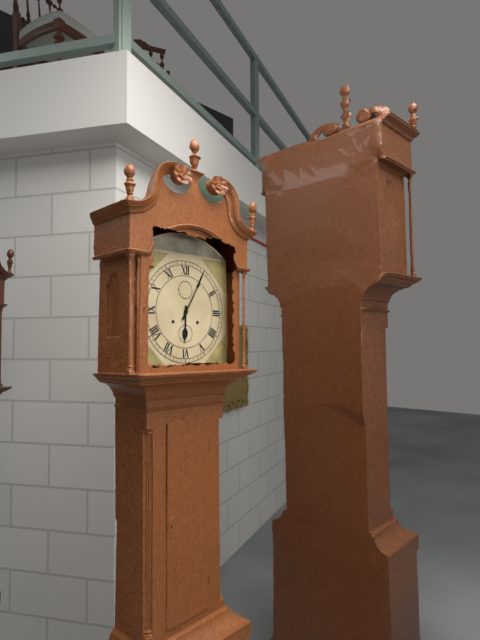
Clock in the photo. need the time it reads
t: 6:05
